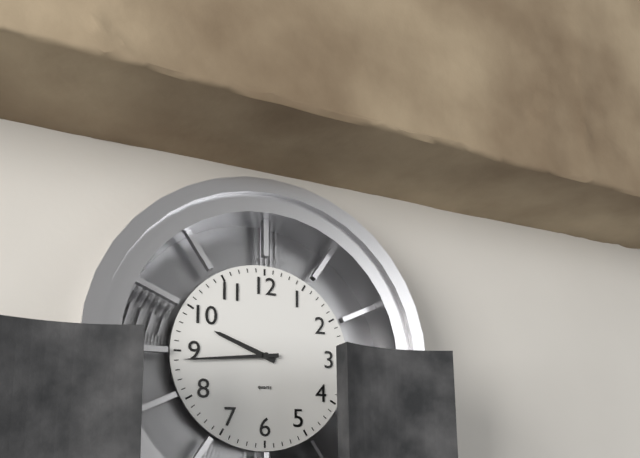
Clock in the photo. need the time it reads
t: 9:44
